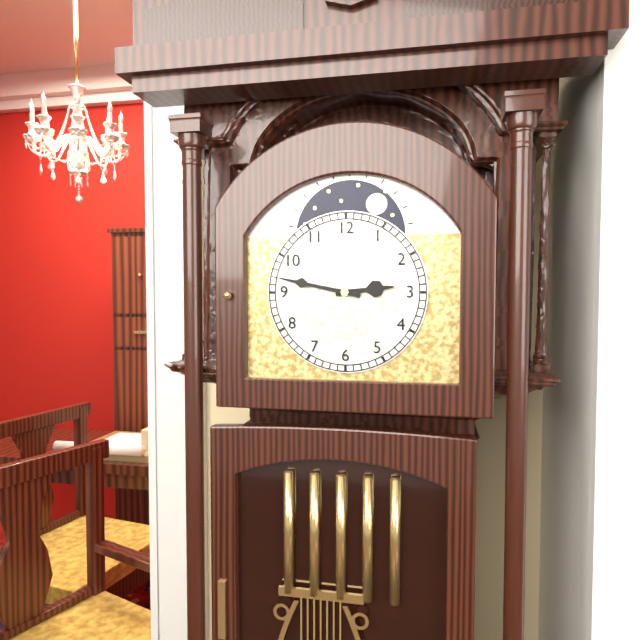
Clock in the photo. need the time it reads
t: 2:47
